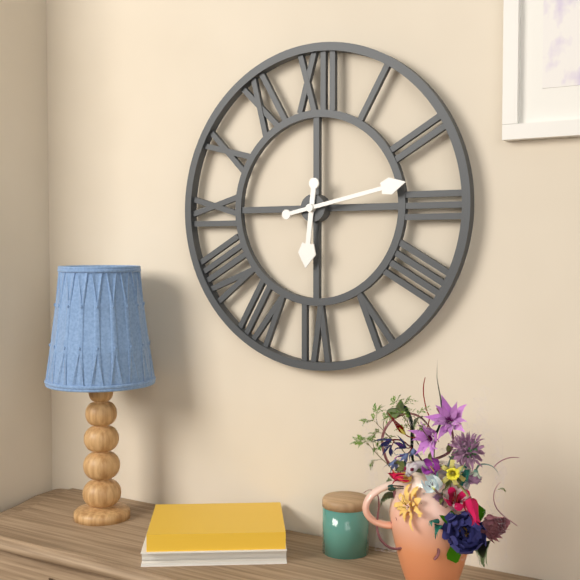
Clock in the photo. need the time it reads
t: 6:13
